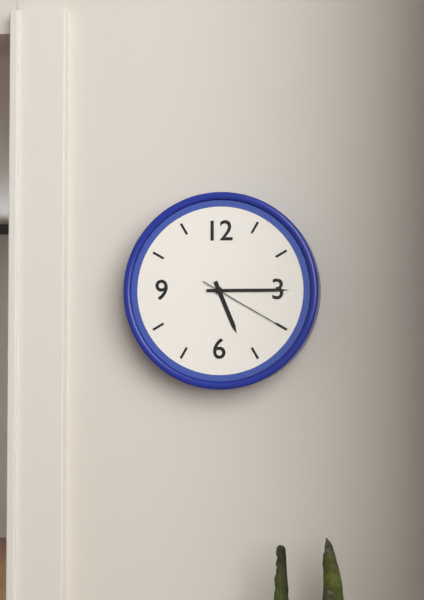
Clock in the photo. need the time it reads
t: 5:15:20
